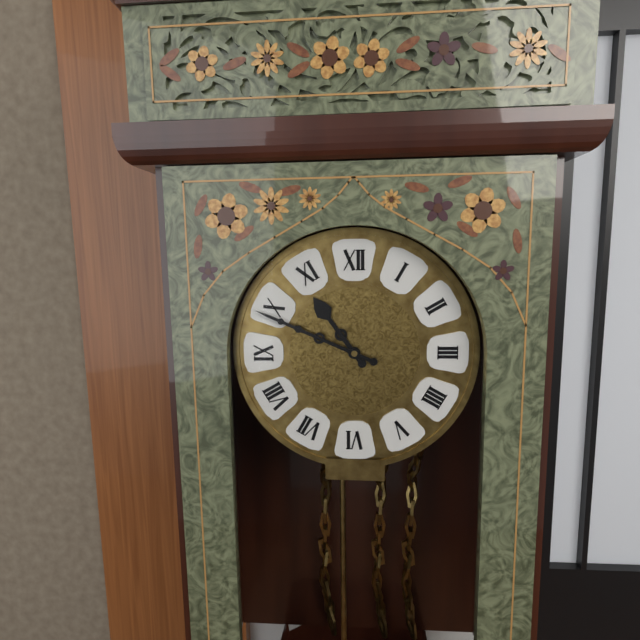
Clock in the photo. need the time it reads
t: 10:49
